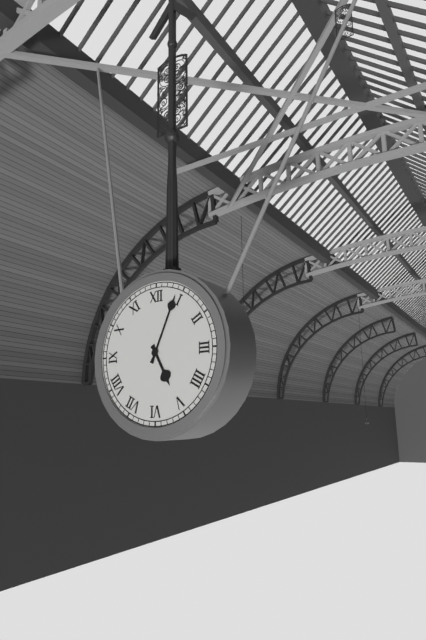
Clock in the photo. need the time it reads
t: 5:04
